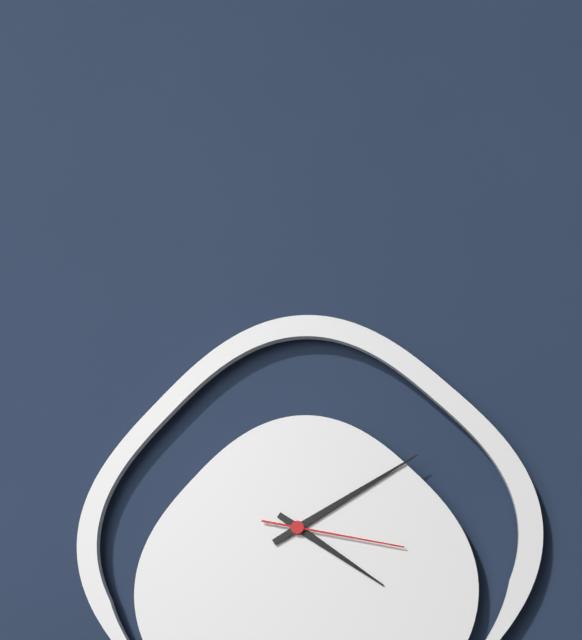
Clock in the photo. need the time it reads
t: 4:10:17
